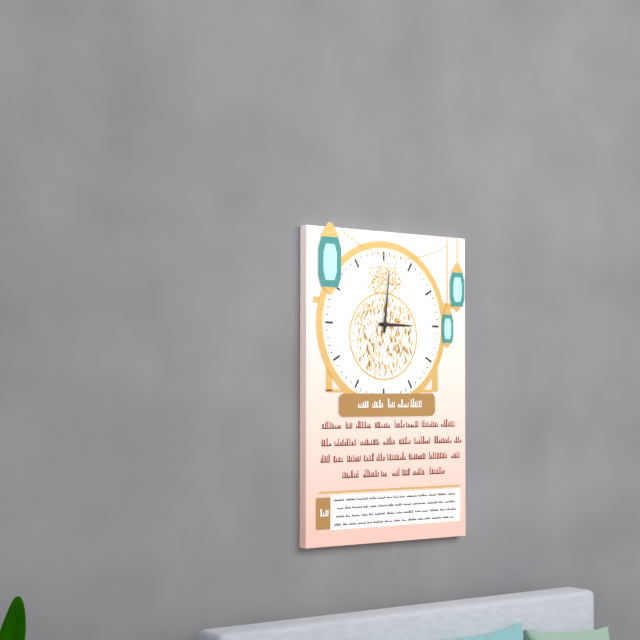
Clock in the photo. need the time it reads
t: 3:01
